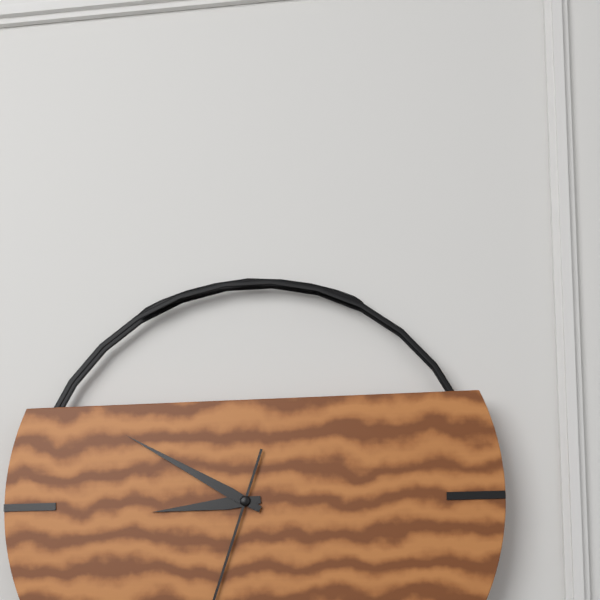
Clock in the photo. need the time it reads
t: 8:50
